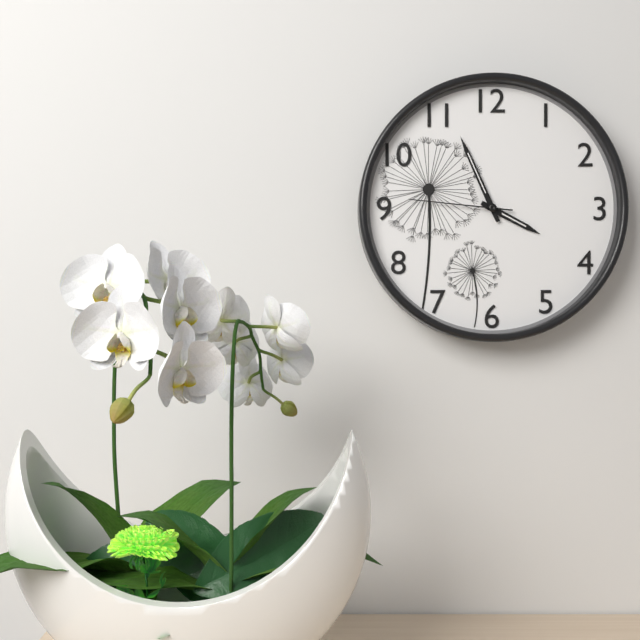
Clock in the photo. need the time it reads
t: 3:56:46
